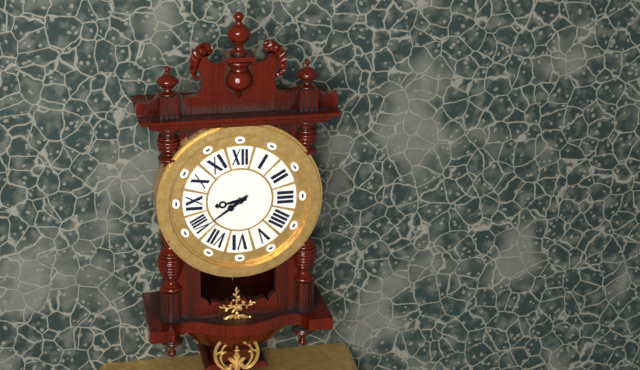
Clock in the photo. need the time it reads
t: 8:39
